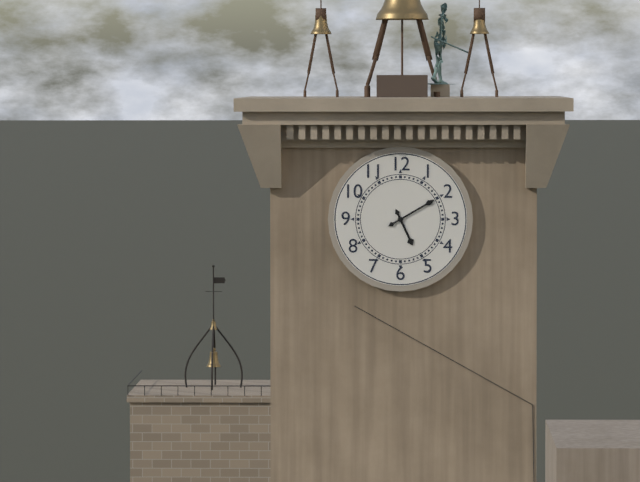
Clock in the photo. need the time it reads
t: 5:10
